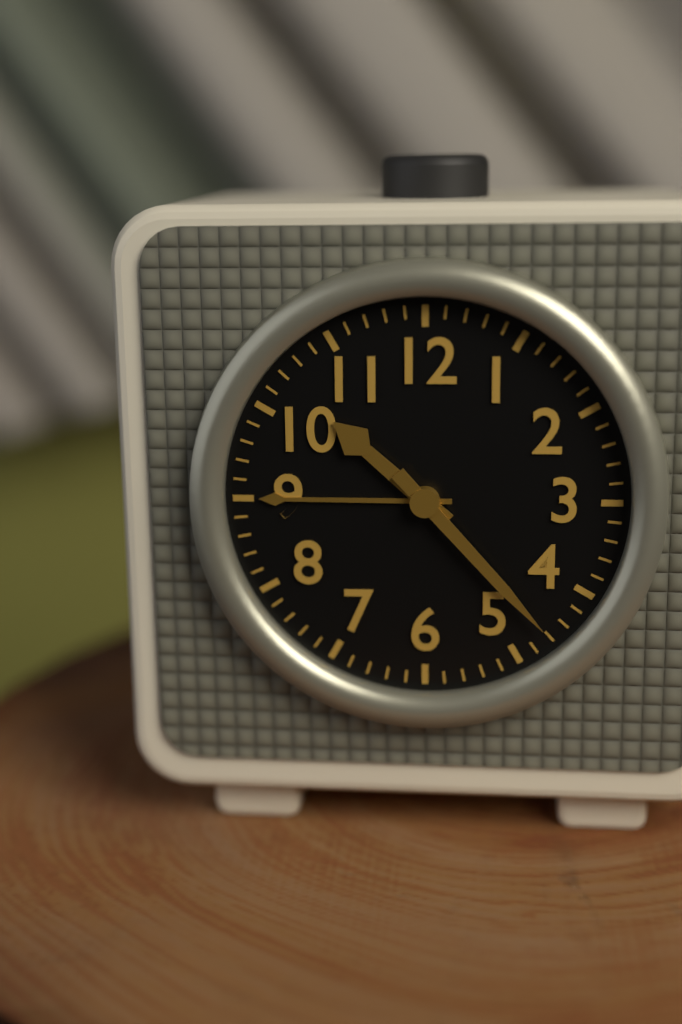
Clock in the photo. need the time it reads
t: 10:23
